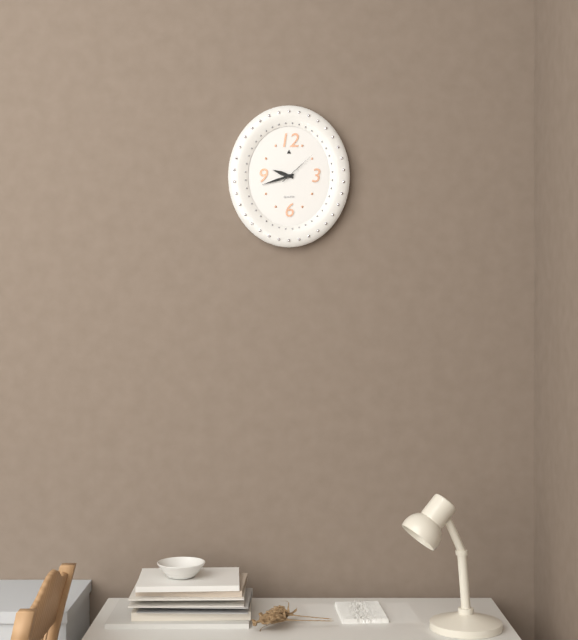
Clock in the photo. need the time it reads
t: 9:42
